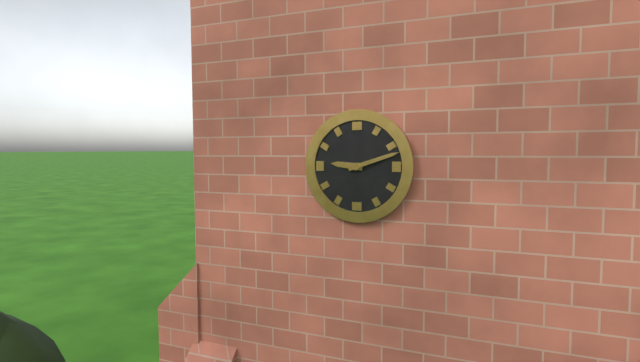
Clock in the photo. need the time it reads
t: 9:12
